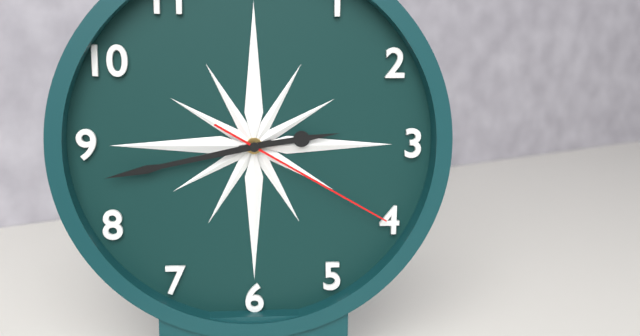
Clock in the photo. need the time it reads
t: 2:43:20
